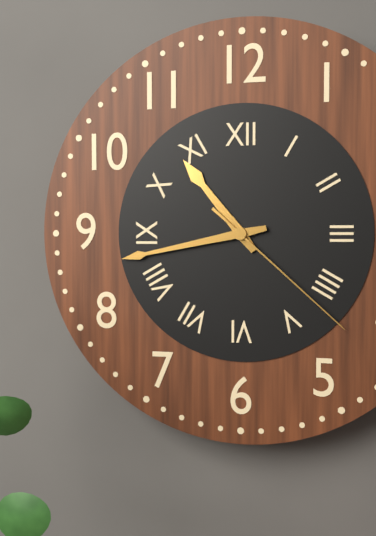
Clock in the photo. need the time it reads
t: 10:43:22
